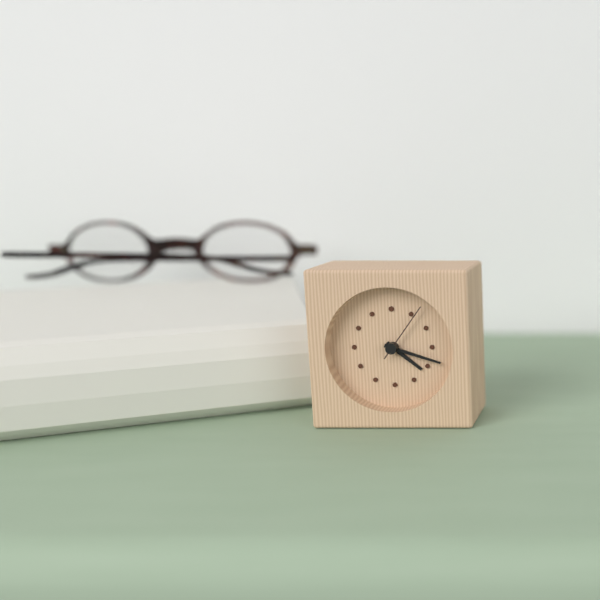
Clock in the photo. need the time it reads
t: 4:18:06
